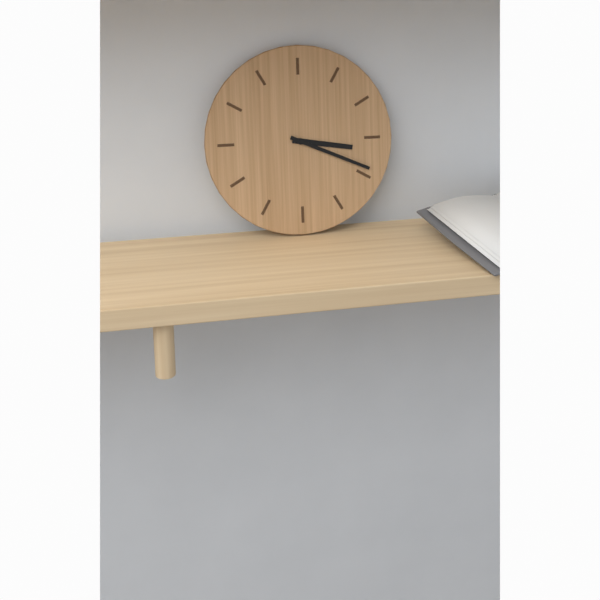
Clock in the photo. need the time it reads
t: 3:19
